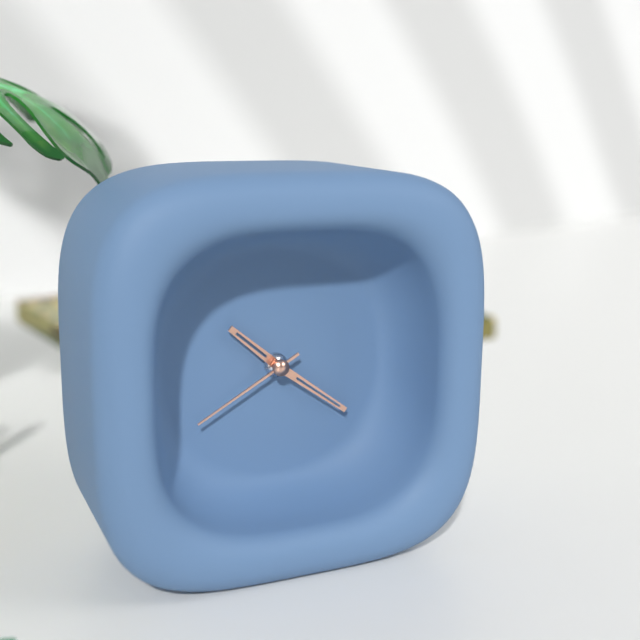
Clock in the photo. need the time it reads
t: 10:21:40
